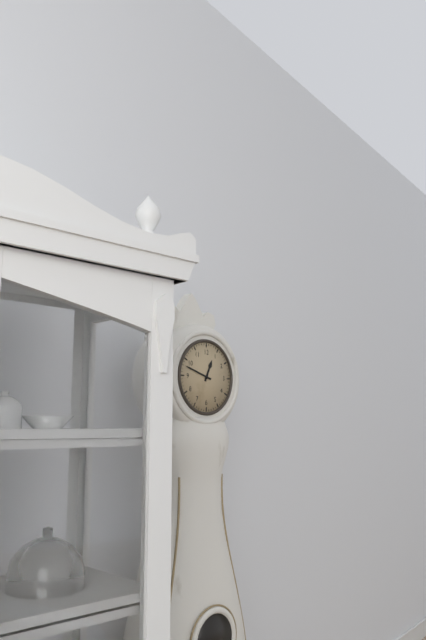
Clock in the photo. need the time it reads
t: 12:48
